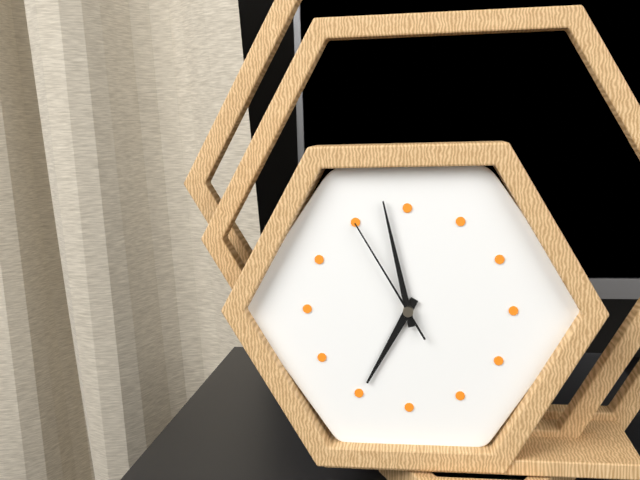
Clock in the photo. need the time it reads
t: 6:58:55
